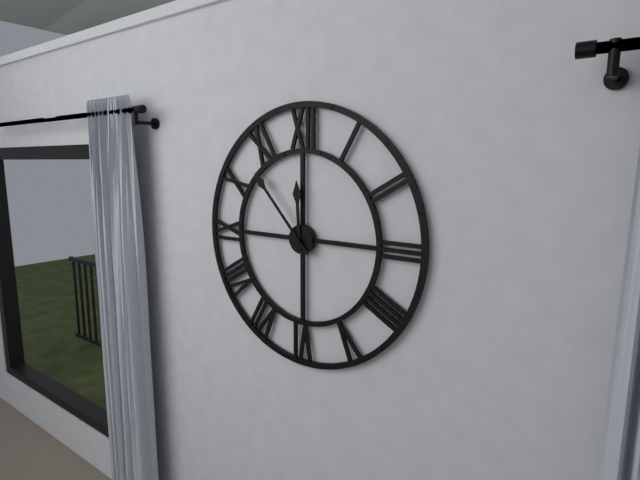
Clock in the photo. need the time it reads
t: 11:53
